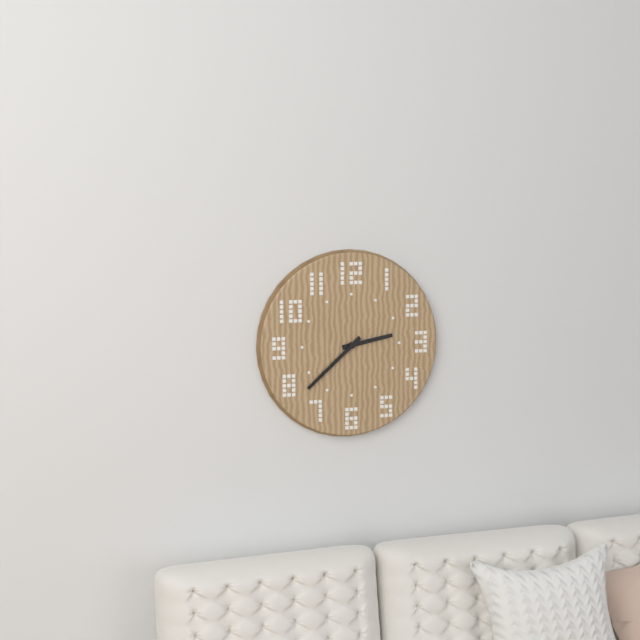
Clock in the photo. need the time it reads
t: 2:38
